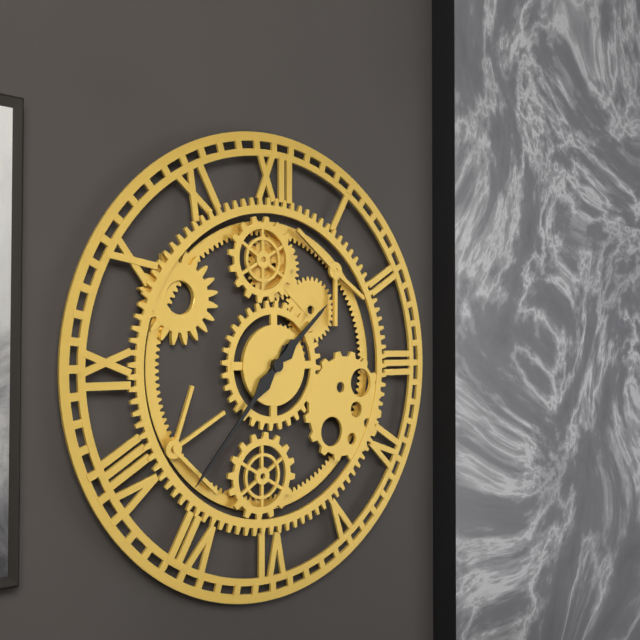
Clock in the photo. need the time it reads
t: 1:37
